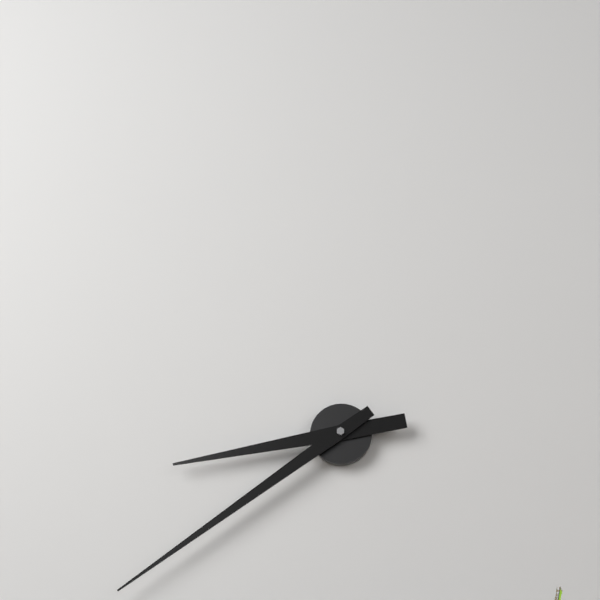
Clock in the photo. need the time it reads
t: 8:39
